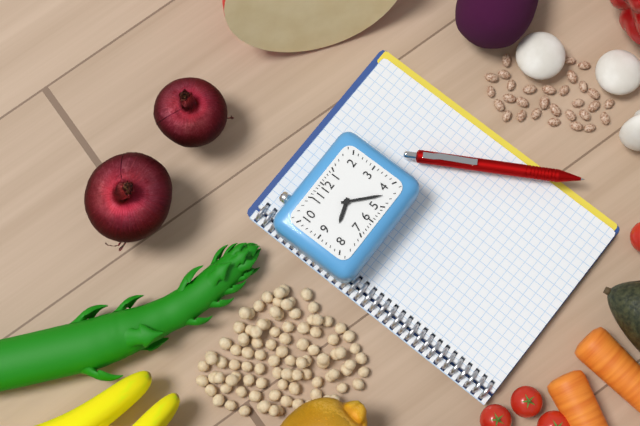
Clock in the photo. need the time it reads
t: 8:22
